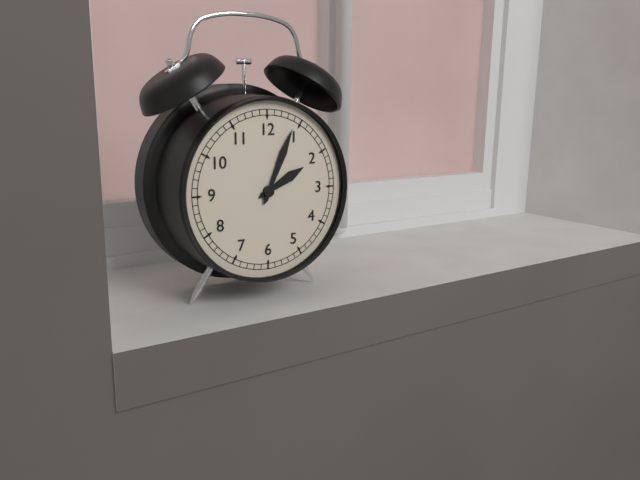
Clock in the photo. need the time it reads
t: 2:04
